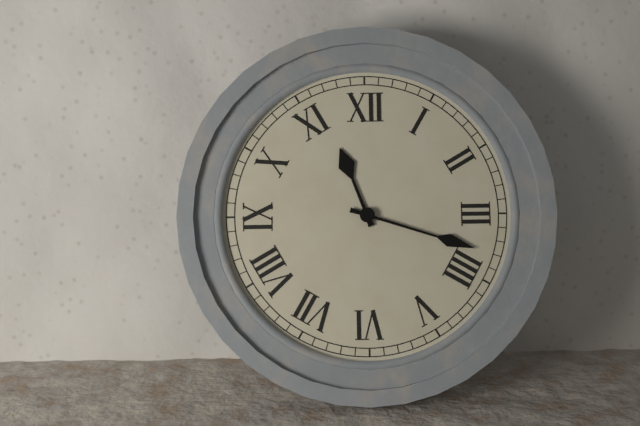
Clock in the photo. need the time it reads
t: 11:18
